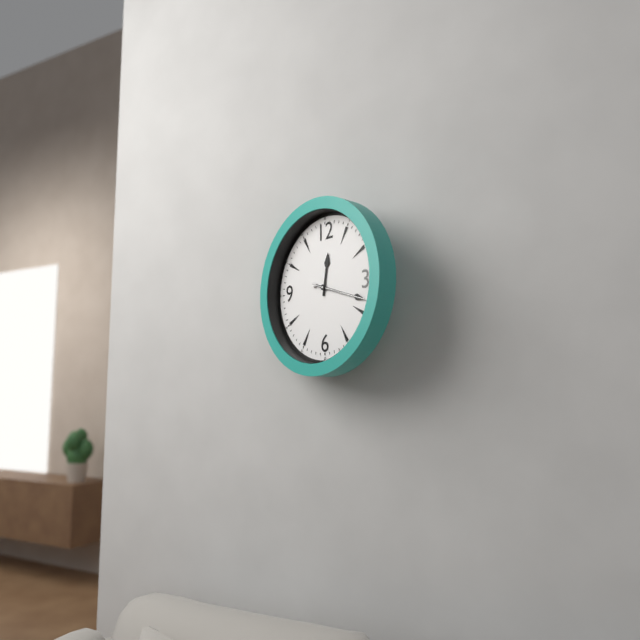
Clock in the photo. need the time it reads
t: 12:18:18
